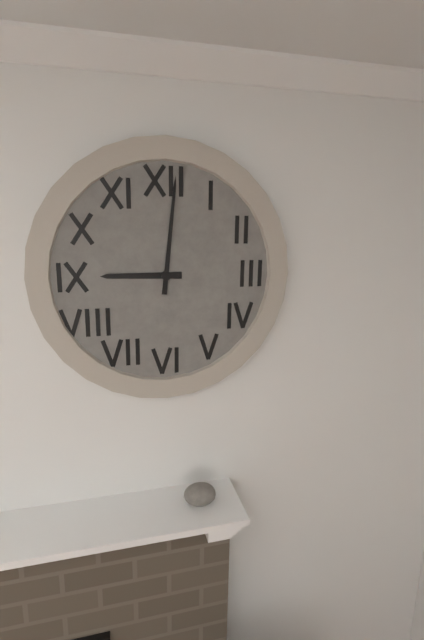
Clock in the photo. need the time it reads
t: 9:01
